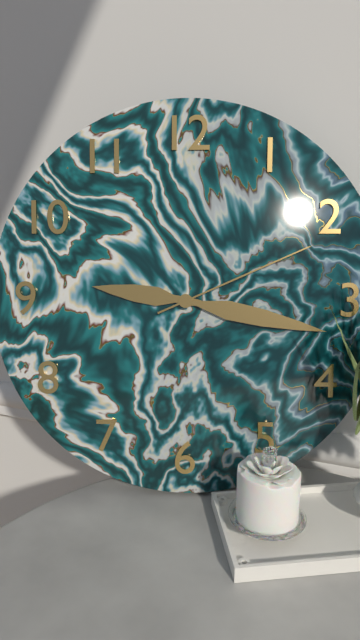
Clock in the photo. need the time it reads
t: 9:17:11
